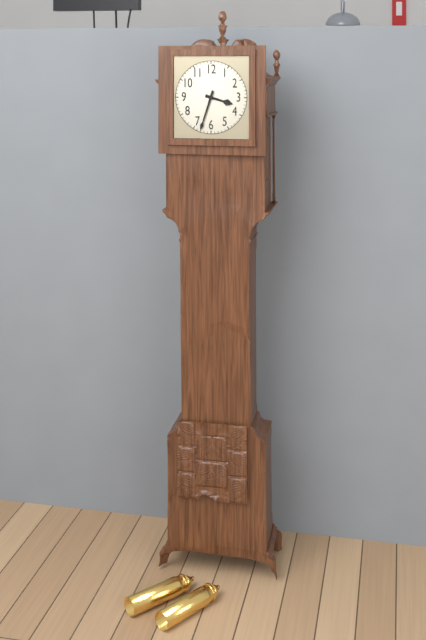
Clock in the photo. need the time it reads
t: 3:33
